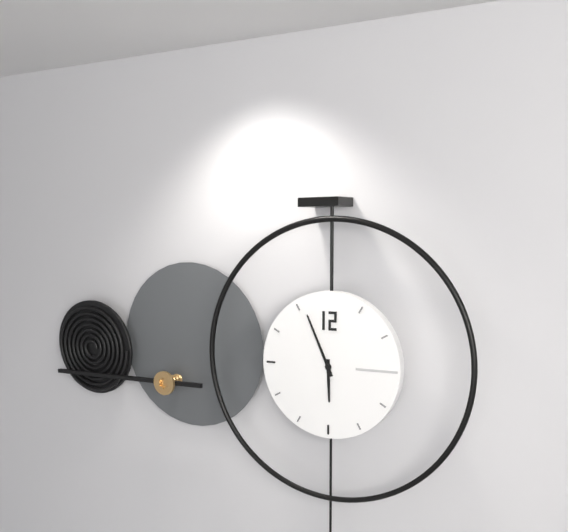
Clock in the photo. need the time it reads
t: 5:56
